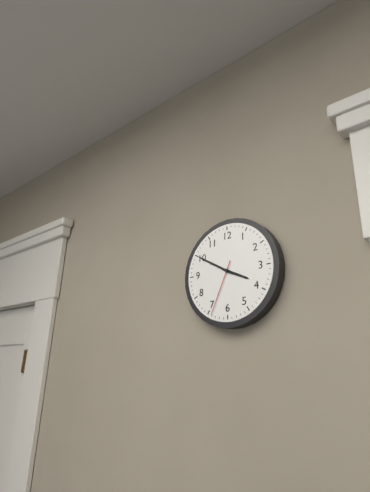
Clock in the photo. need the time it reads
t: 3:50:34
